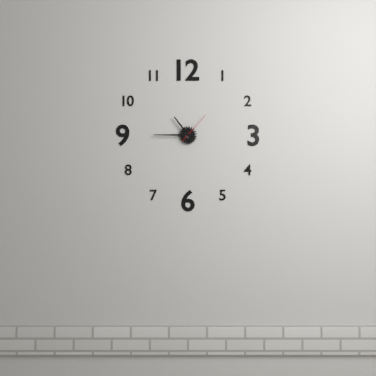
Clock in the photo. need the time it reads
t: 10:45
